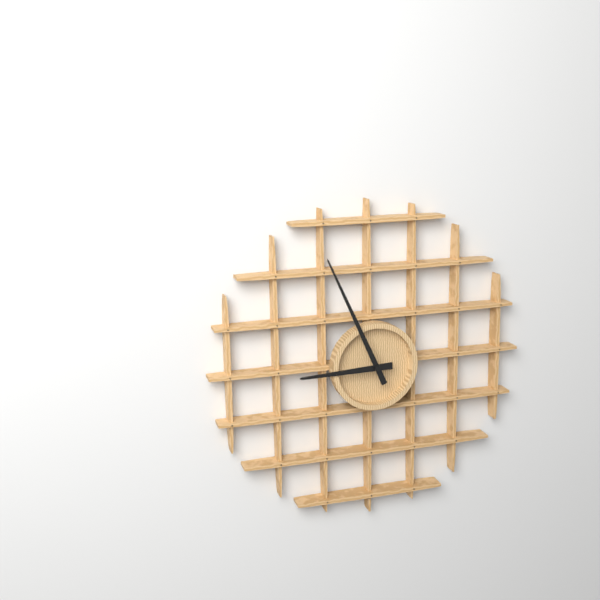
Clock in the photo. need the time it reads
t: 8:56
